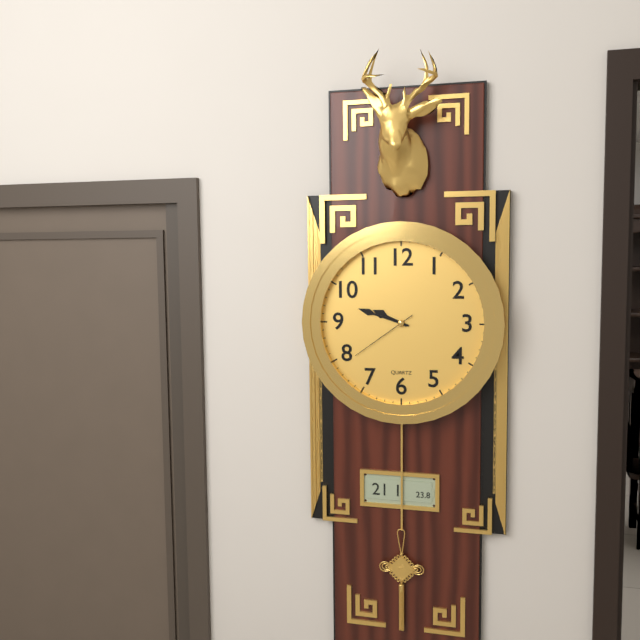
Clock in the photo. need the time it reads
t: 9:48:39
